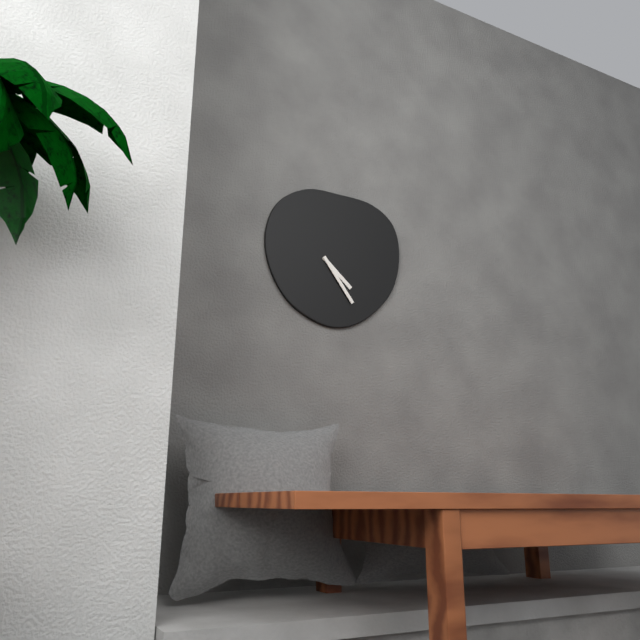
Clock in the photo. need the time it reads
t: 4:24
